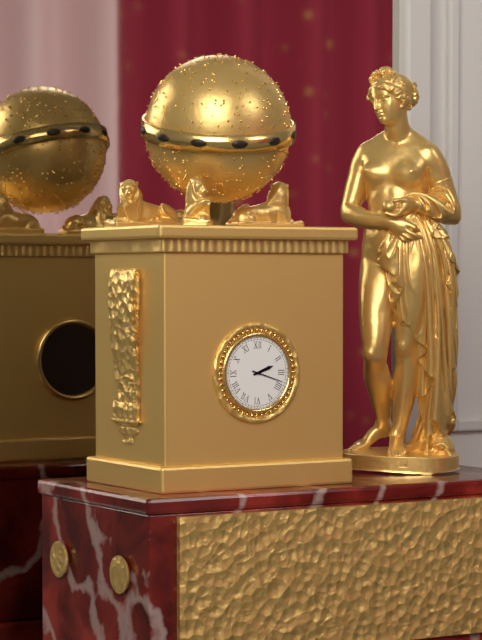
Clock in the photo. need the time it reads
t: 2:18
